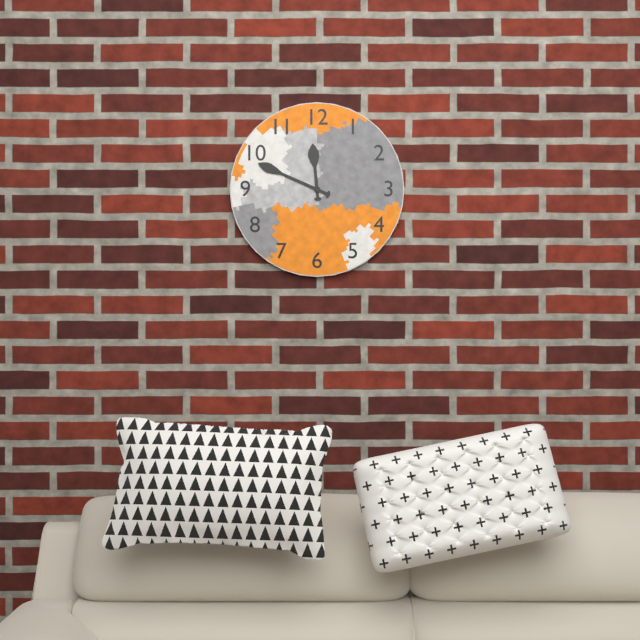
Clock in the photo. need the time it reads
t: 11:49
